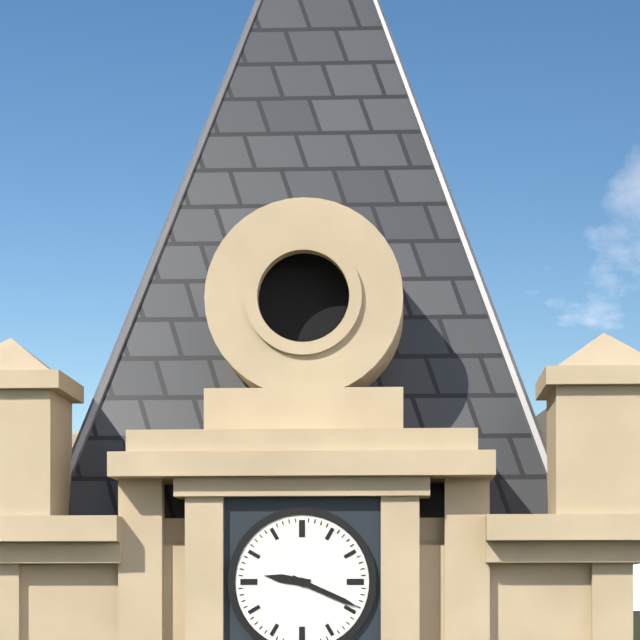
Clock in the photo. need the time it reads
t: 9:19
